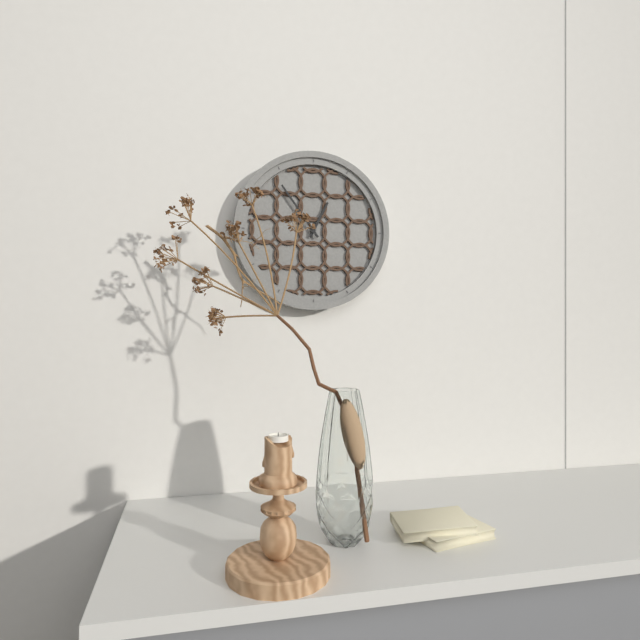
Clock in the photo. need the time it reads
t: 12:54
